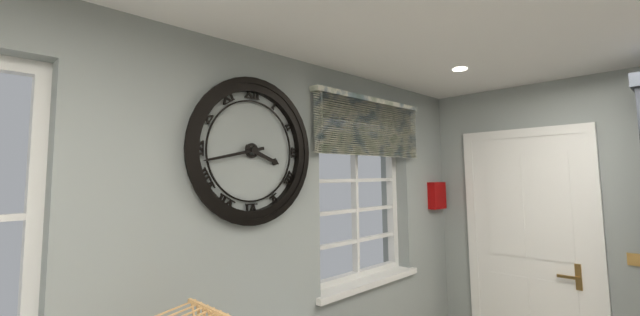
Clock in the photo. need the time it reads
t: 3:43
